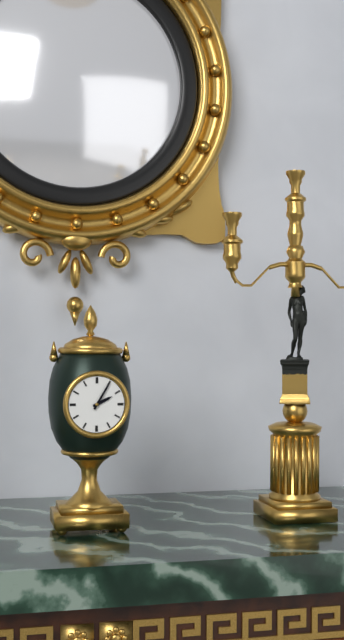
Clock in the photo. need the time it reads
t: 2:05
